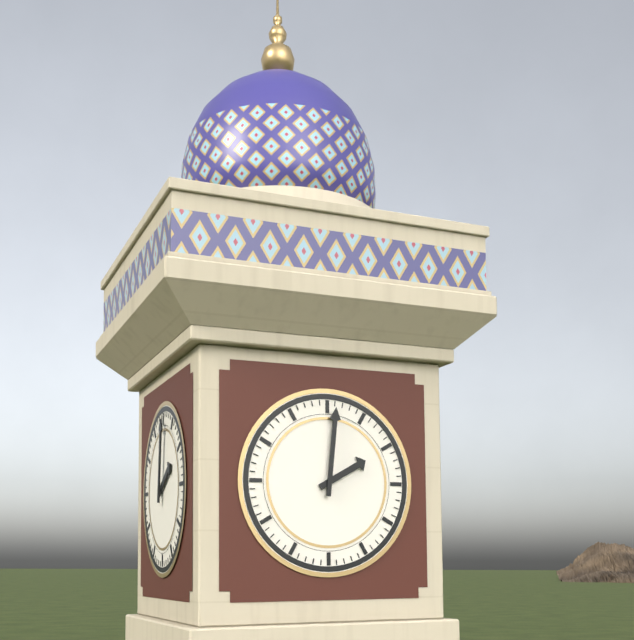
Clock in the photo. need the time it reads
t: 2:01
